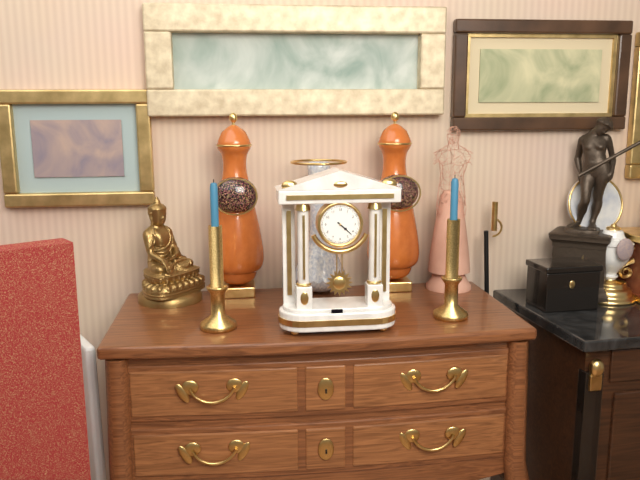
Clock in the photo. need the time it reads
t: 4:22
